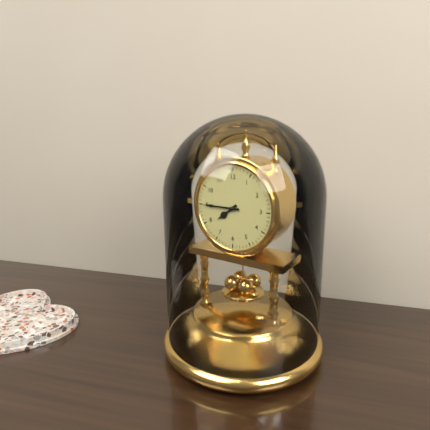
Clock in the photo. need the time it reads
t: 7:45
